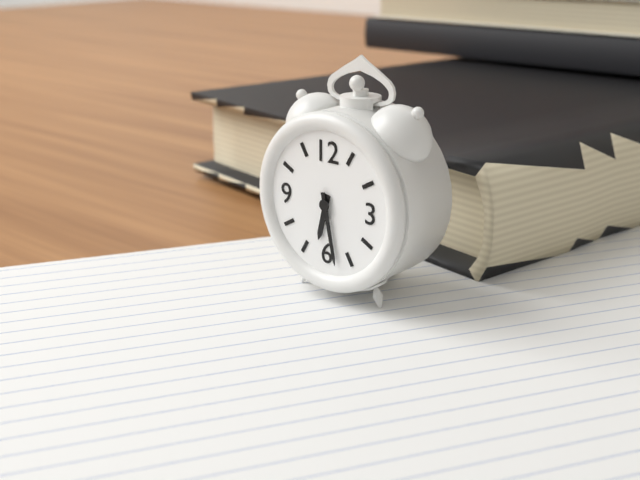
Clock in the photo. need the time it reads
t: 6:28
